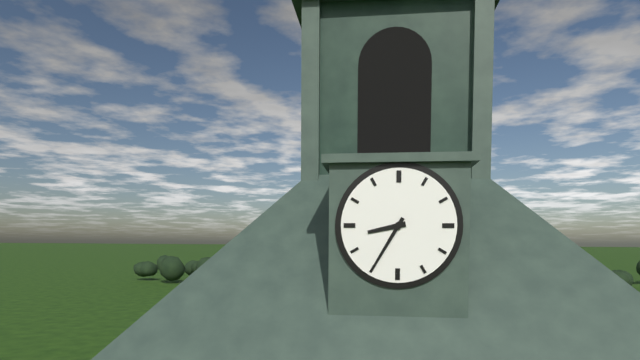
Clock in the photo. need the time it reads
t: 8:35
